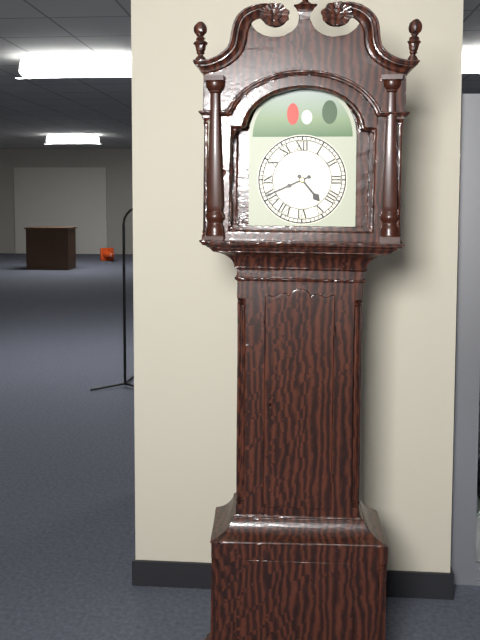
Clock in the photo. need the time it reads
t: 4:41
